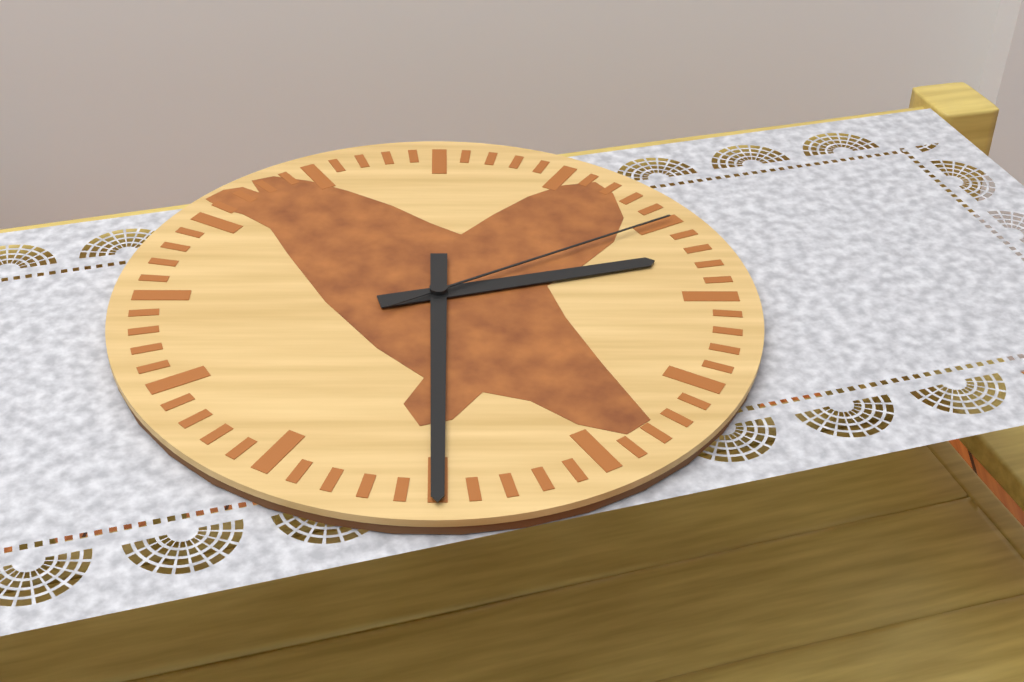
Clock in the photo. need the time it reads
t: 2:30:10
